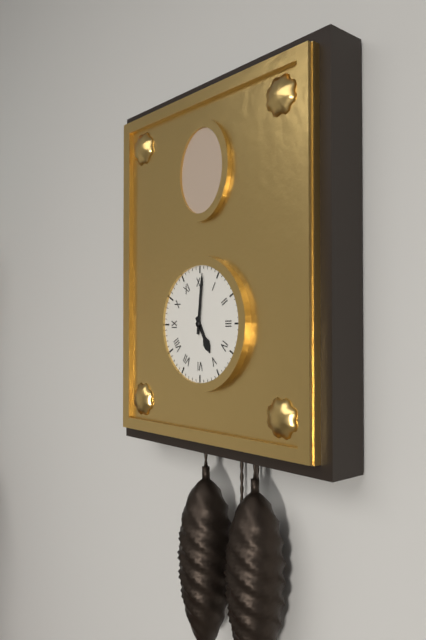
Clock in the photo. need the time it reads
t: 5:01
